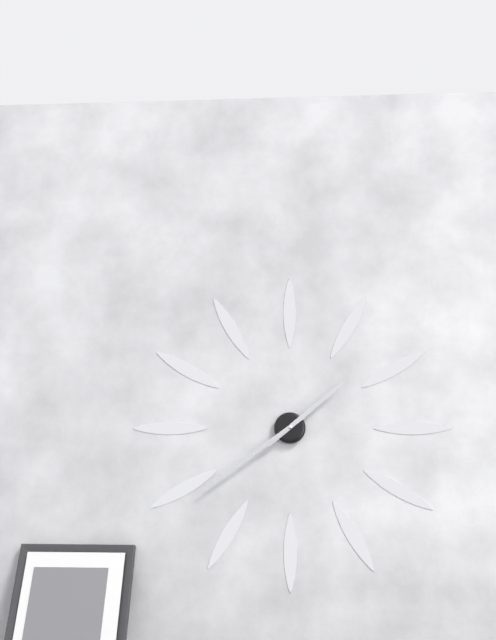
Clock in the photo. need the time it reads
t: 1:39
